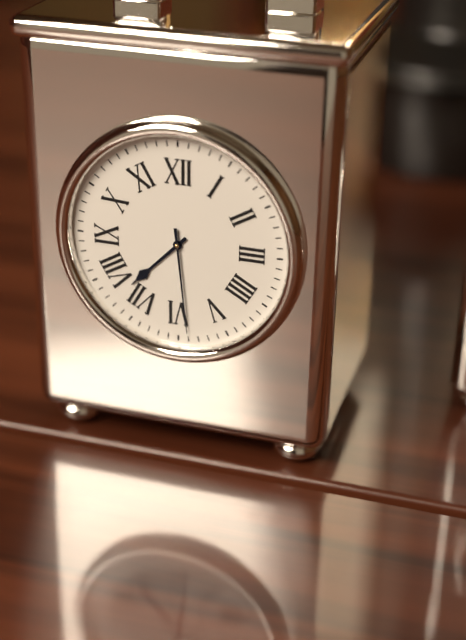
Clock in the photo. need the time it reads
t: 7:29
